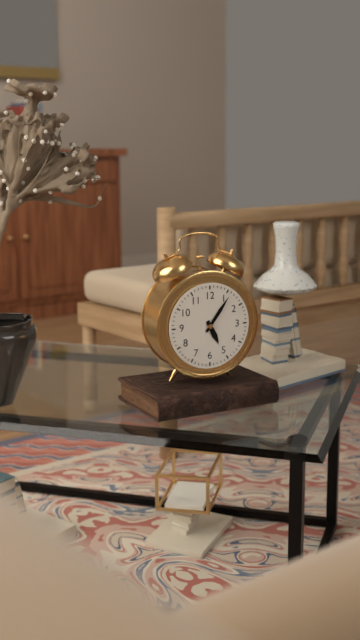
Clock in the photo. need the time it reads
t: 5:06
